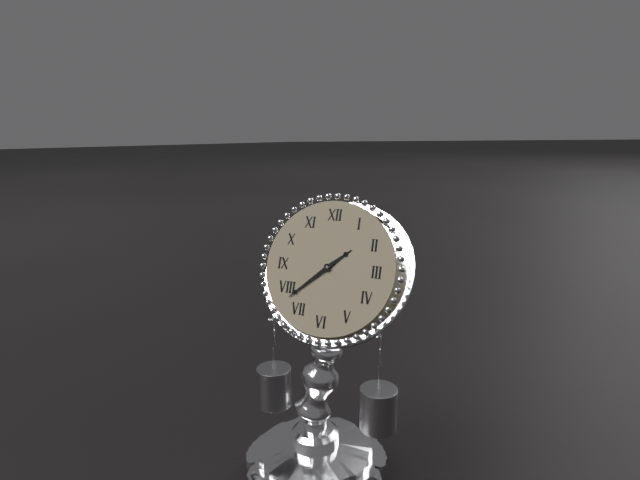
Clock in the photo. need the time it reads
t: 1:38
